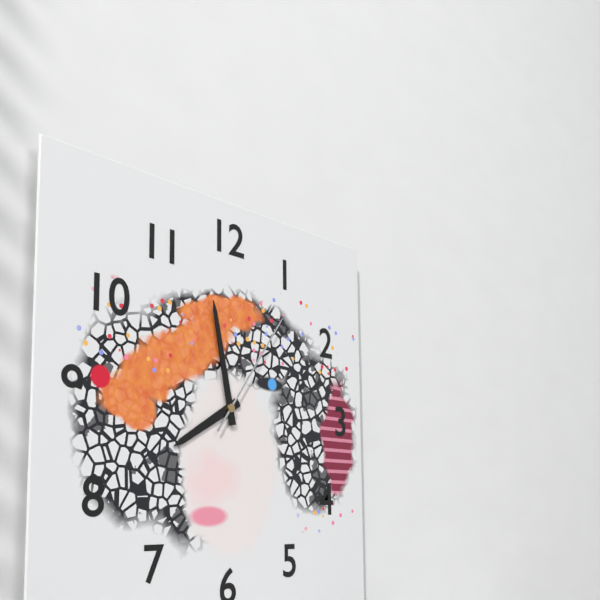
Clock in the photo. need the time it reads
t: 7:58:06
